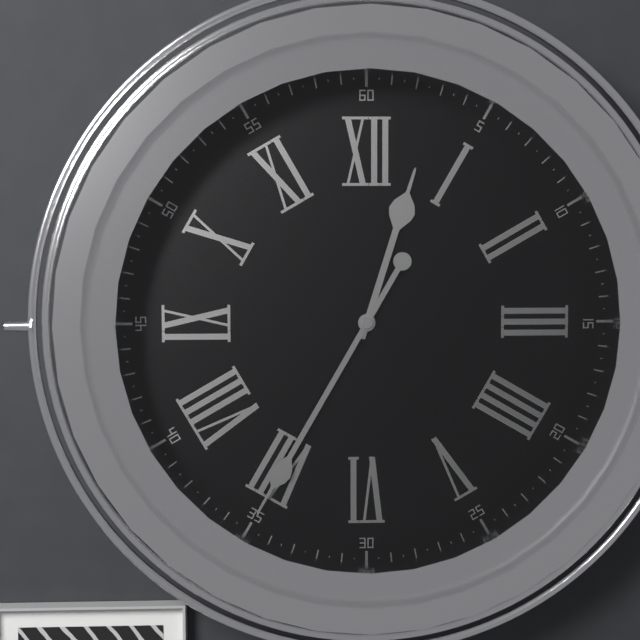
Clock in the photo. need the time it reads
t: 12:35
